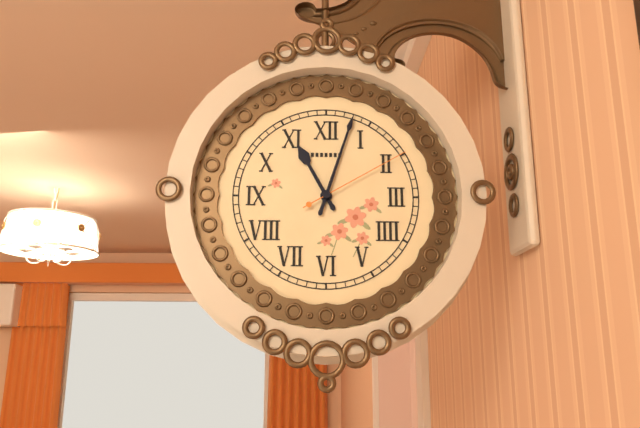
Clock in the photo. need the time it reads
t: 11:03:10
